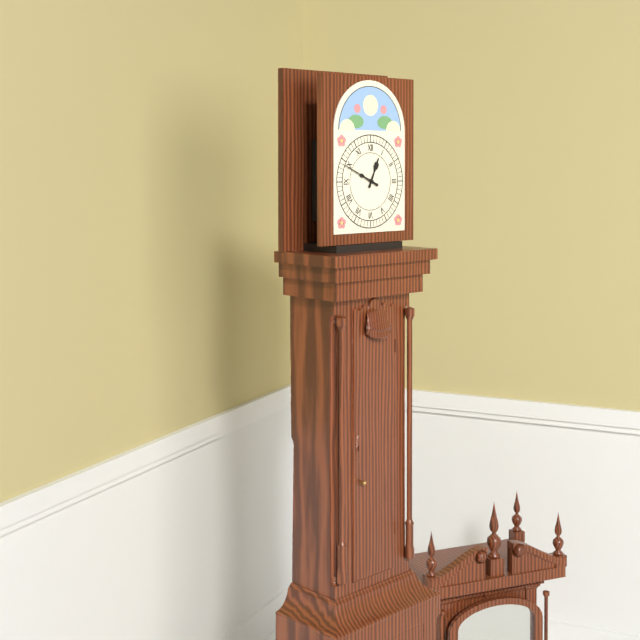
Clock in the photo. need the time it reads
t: 12:49
